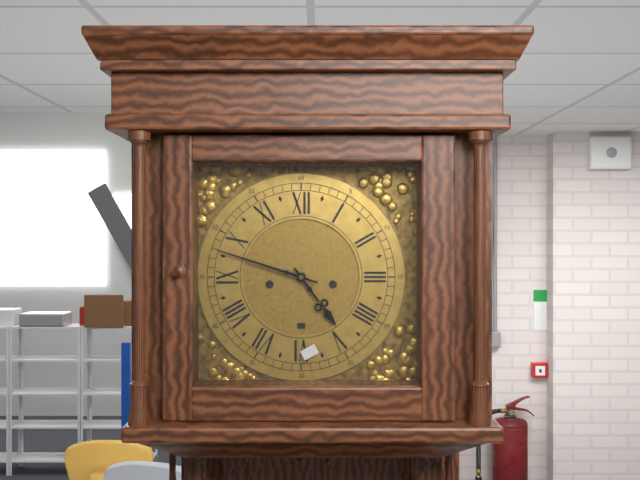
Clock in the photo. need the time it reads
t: 4:48
